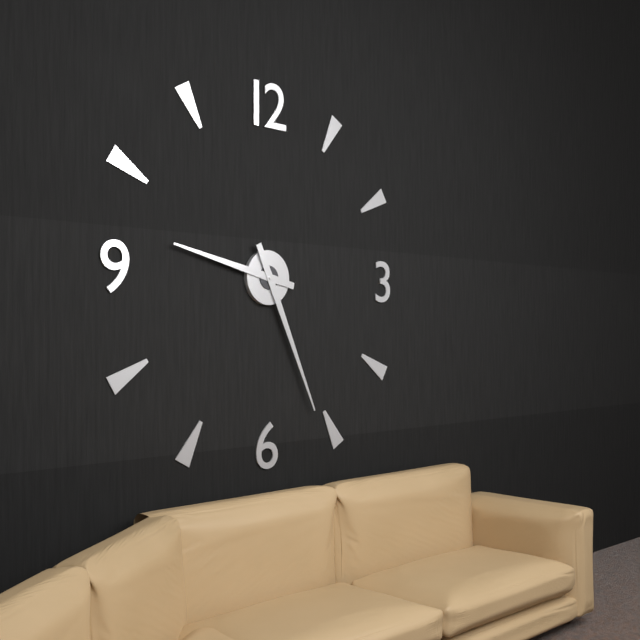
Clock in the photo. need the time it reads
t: 9:26
